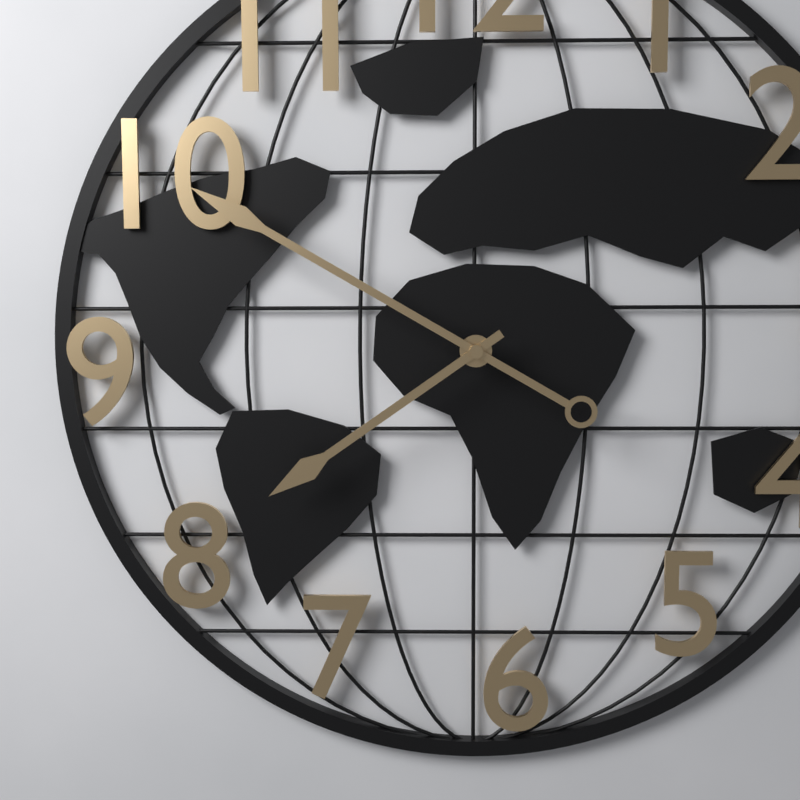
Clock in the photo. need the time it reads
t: 7:50
